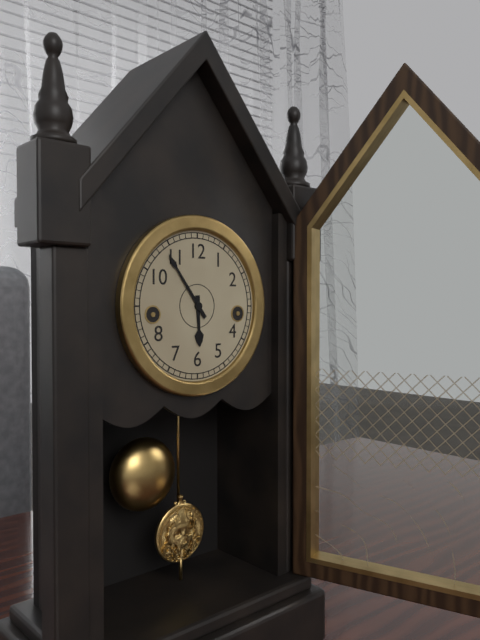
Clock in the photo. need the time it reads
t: 5:54
